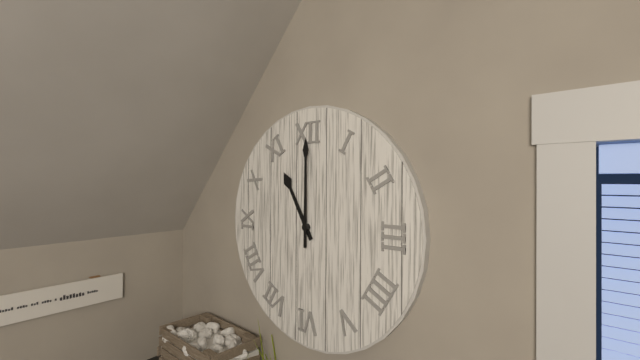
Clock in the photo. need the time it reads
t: 11:00
